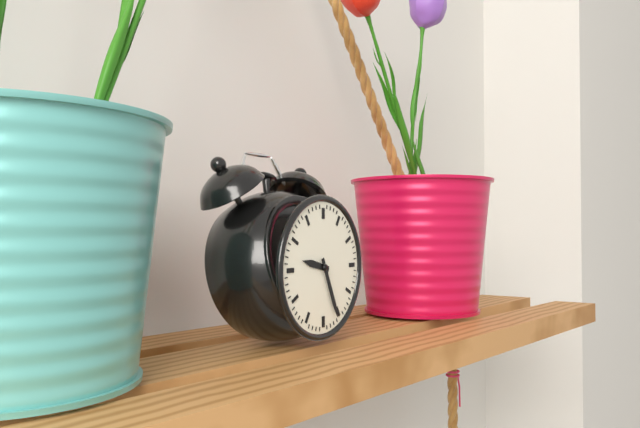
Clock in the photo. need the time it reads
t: 9:26
